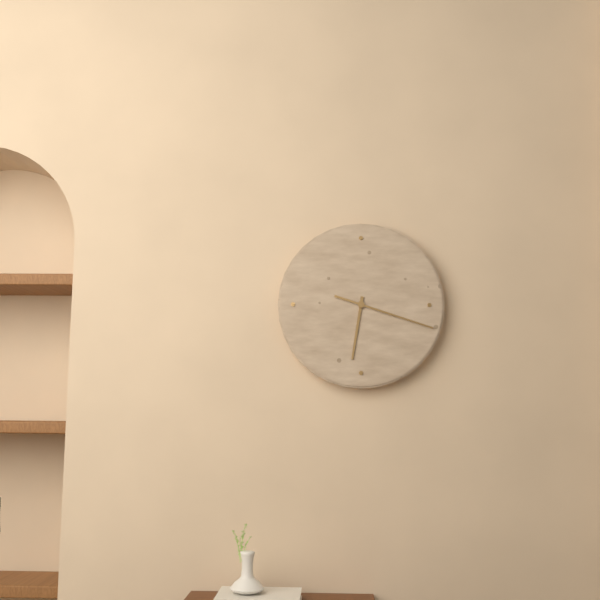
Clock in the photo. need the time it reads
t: 6:18
